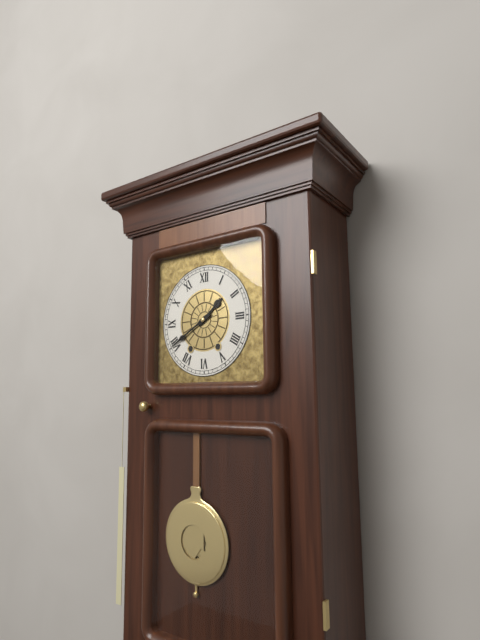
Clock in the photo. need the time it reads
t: 1:40
